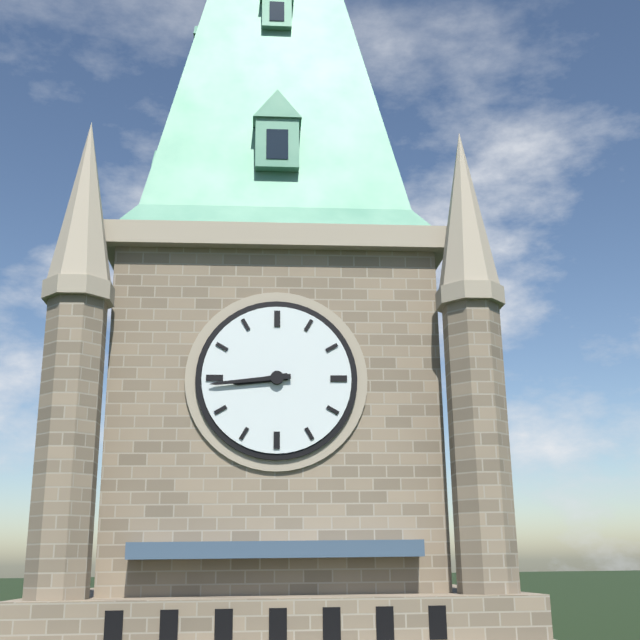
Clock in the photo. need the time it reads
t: 8:44
